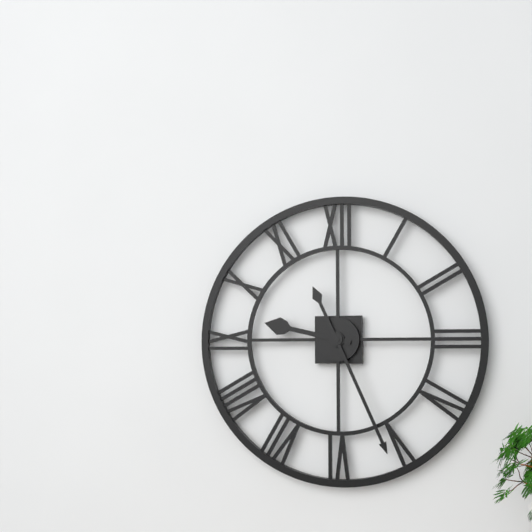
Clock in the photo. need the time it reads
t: 9:26
